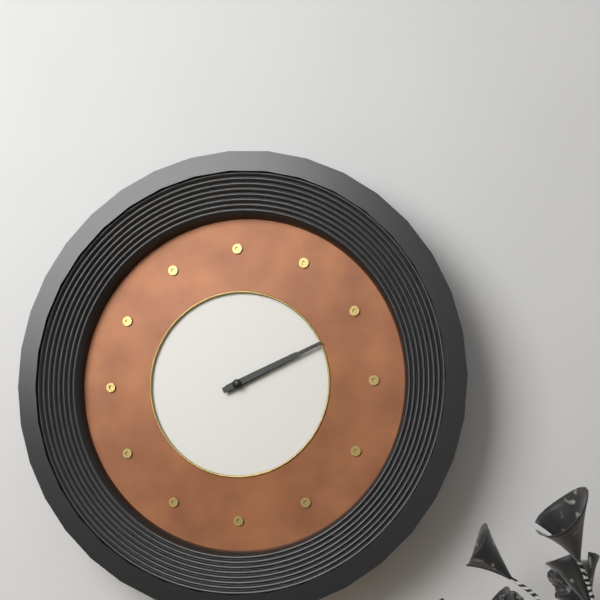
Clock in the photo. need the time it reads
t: 2:11
